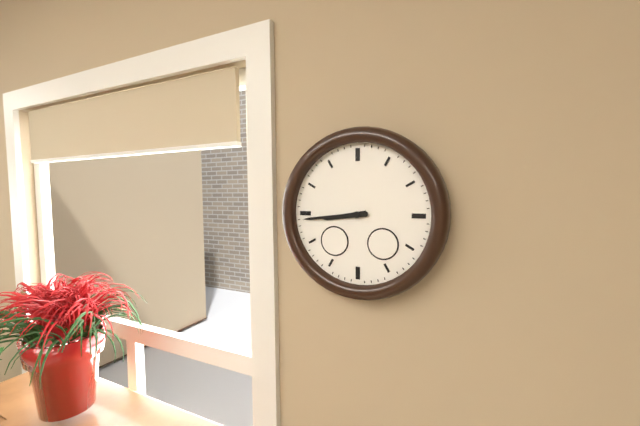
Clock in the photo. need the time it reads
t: 8:44
